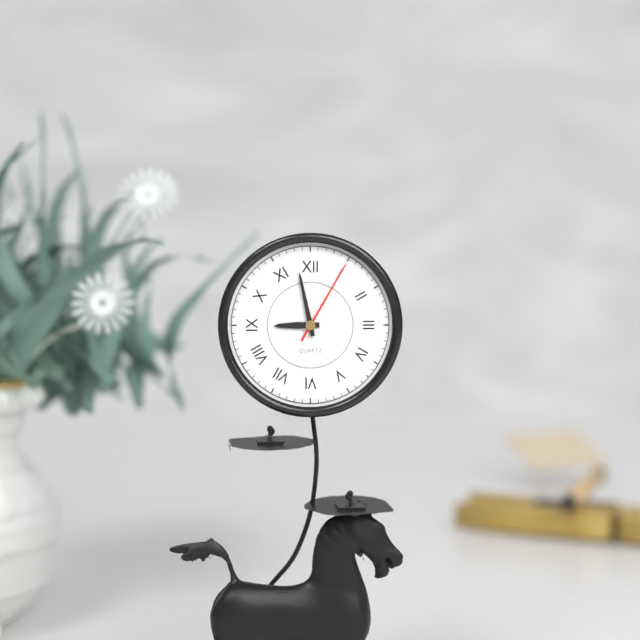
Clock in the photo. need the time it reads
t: 8:58:05
